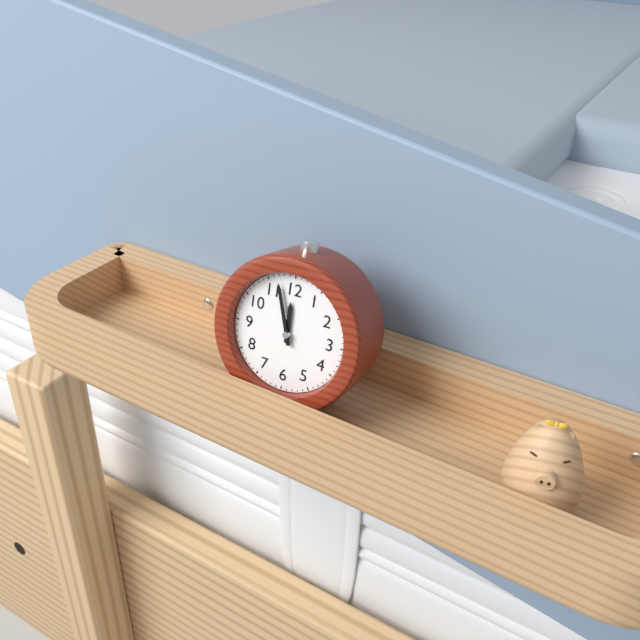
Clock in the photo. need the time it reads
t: 11:57
